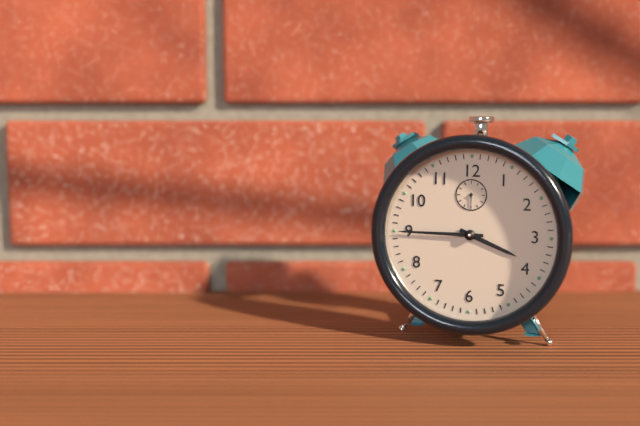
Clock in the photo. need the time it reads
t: 3:45
